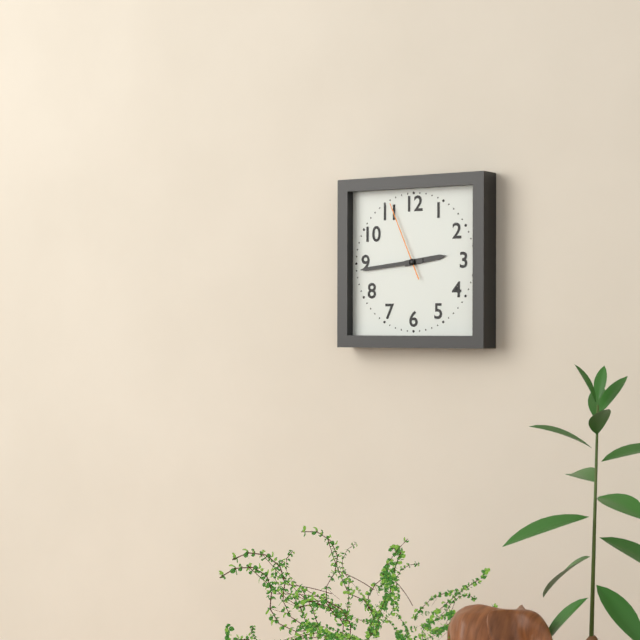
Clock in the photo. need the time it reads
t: 2:44:56
